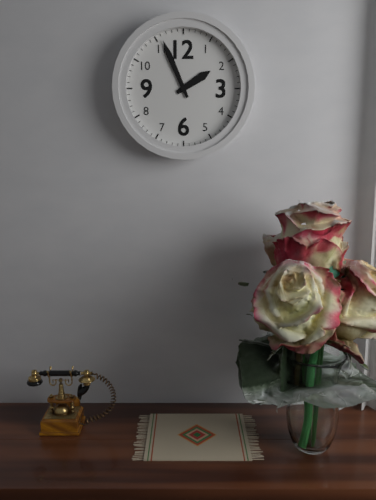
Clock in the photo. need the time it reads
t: 1:56
